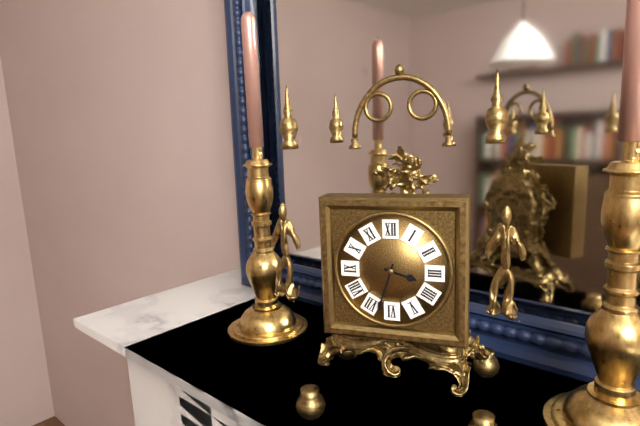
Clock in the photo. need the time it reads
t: 3:33
